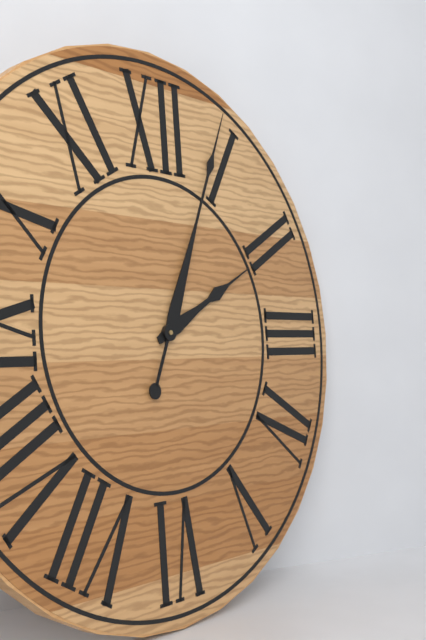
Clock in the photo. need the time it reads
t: 2:04
